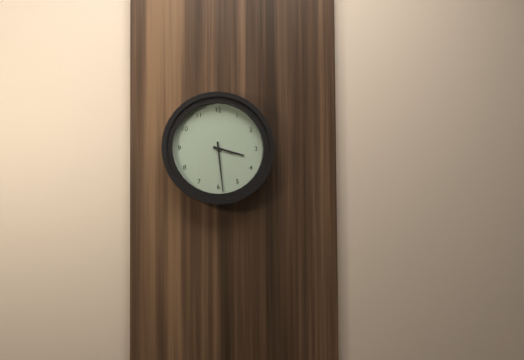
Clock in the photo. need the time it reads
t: 3:29
